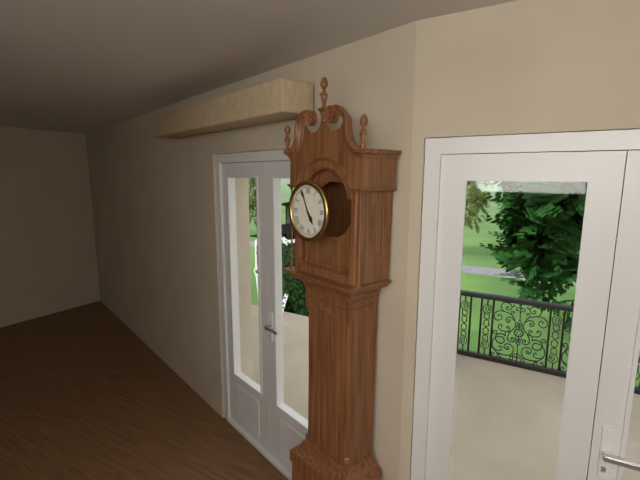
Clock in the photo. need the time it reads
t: 4:56
